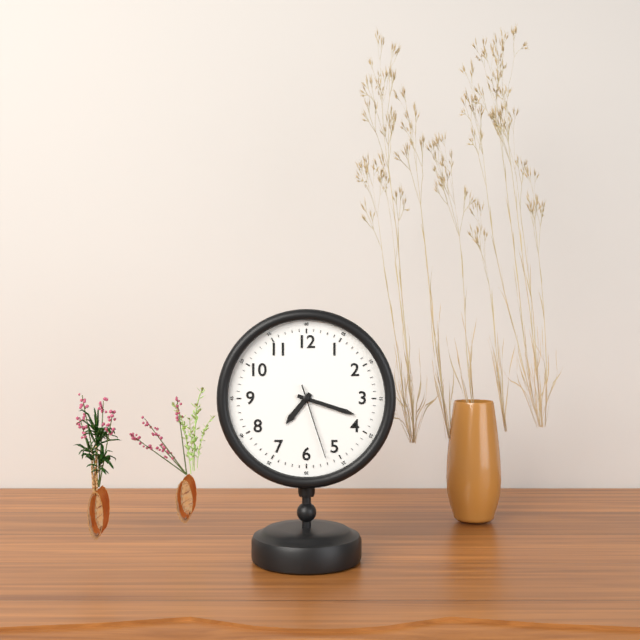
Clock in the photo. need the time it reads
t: 7:18:27
